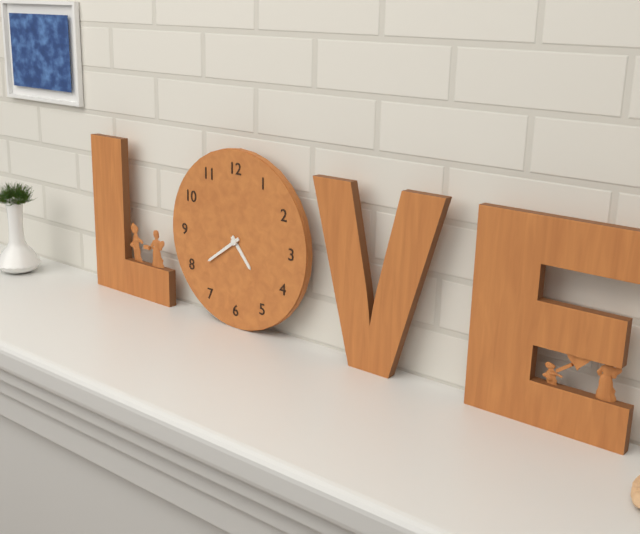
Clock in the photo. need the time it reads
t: 4:39
